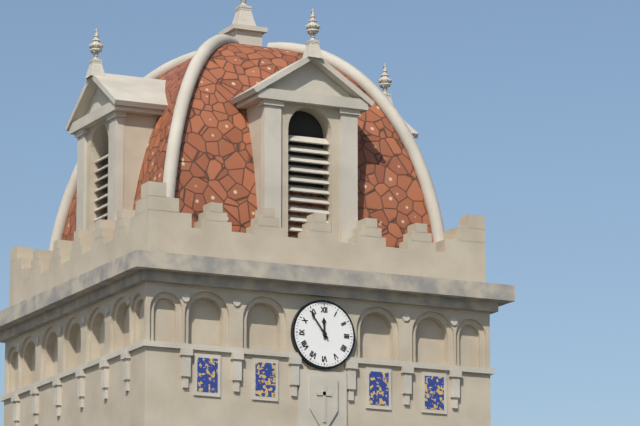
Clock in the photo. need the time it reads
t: 11:54
